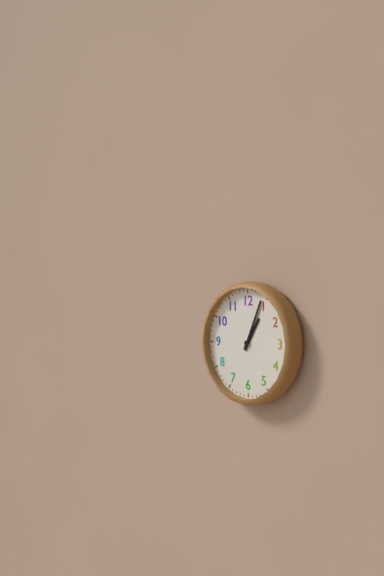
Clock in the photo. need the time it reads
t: 1:04
